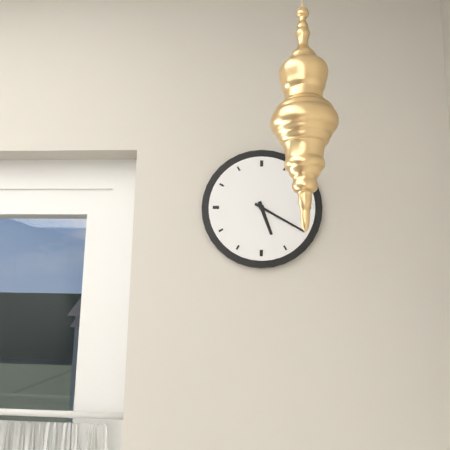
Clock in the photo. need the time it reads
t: 5:20
